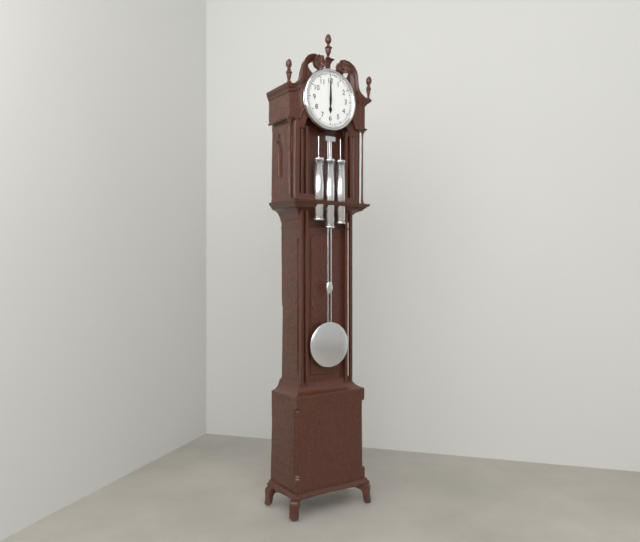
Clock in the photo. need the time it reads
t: 6:00
